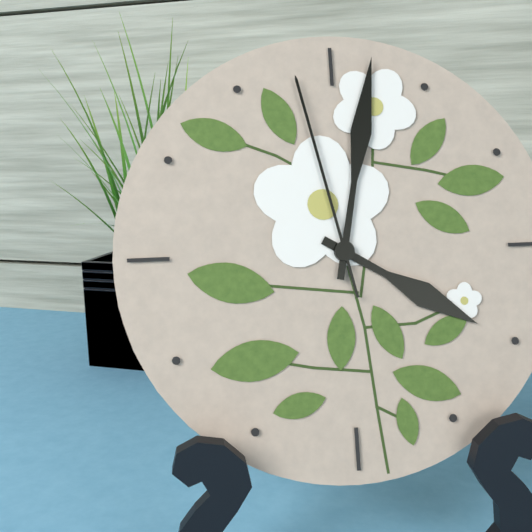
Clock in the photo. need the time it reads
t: 4:02:58
